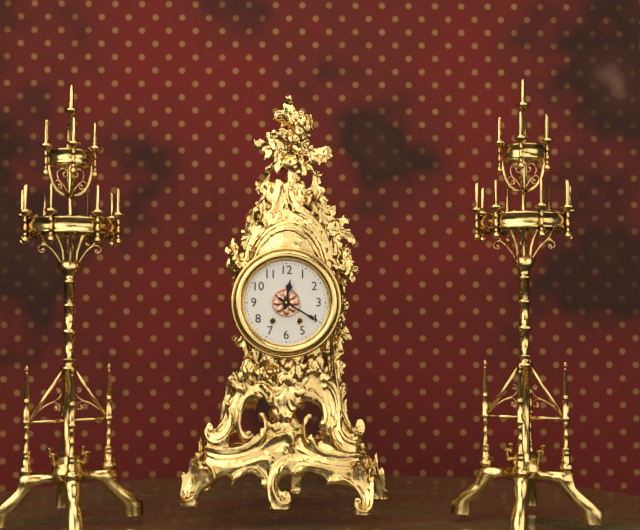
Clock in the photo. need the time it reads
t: 12:20
